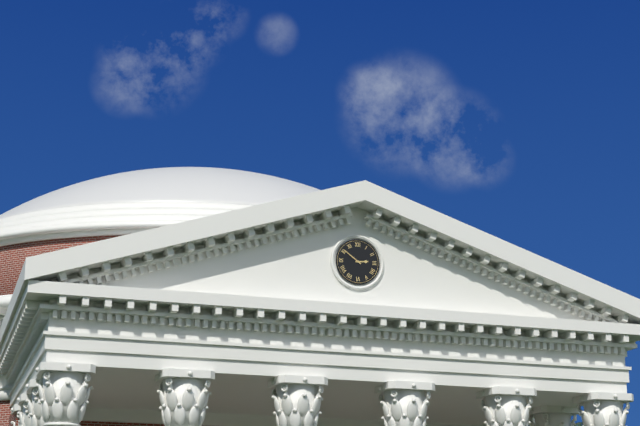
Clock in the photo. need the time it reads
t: 2:51
